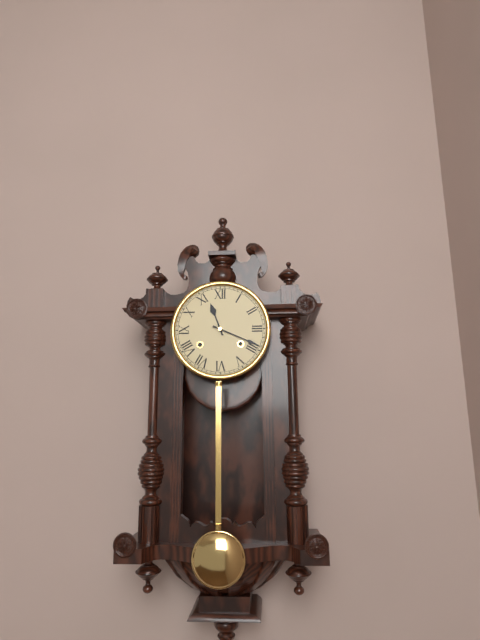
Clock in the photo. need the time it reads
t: 11:19
